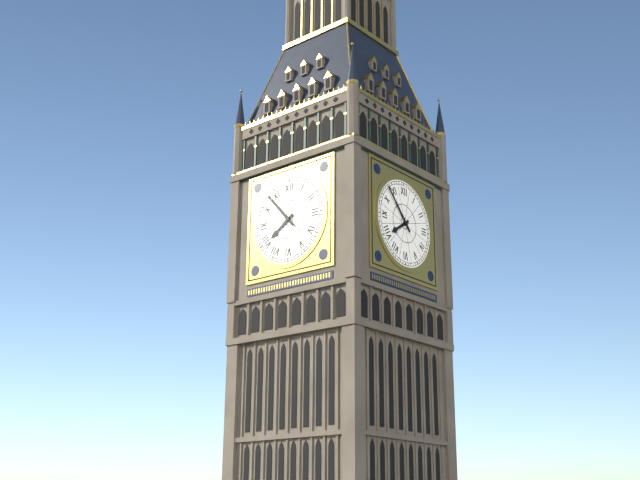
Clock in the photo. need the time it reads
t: 7:53
